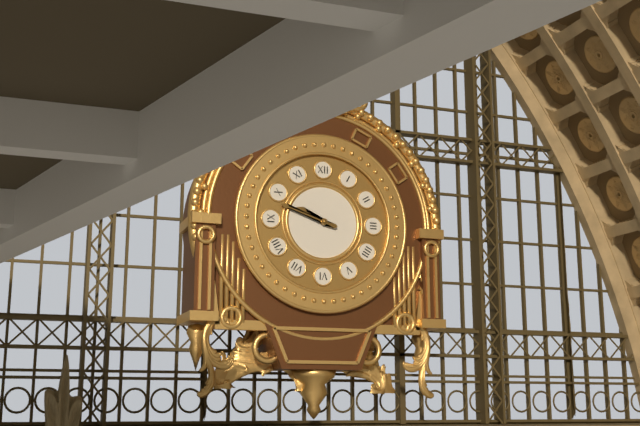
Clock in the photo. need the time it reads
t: 9:48
